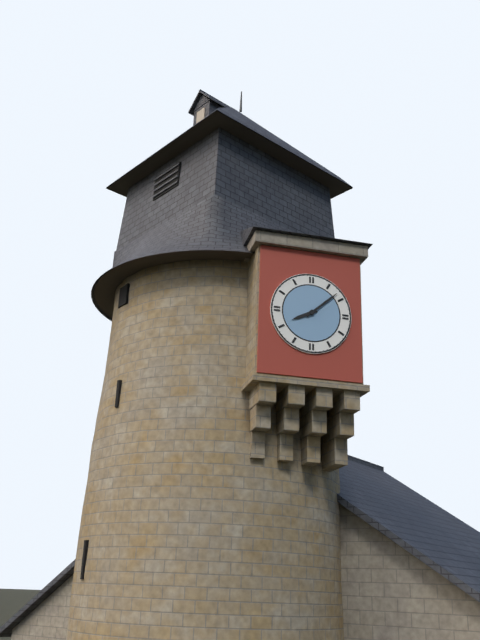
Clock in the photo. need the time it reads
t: 8:08
